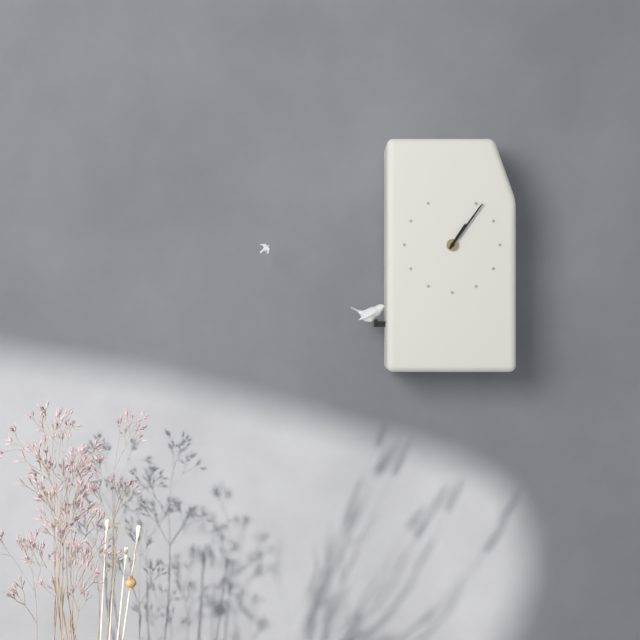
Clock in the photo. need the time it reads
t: 1:06
